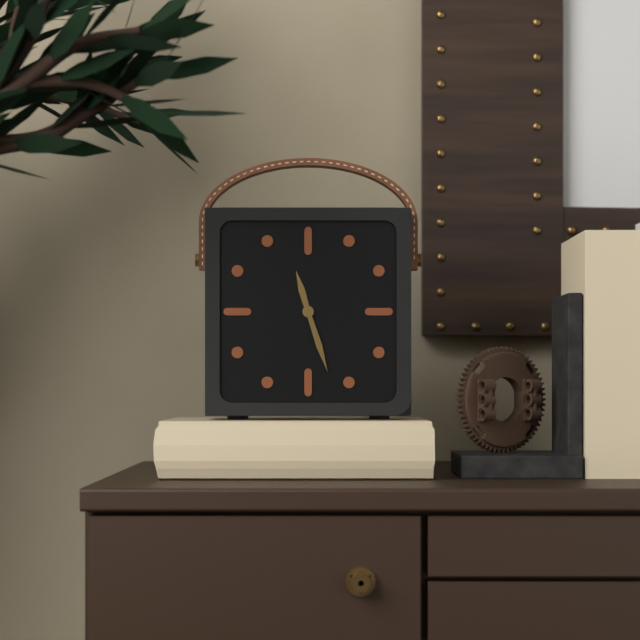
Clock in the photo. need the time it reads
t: 11:27
